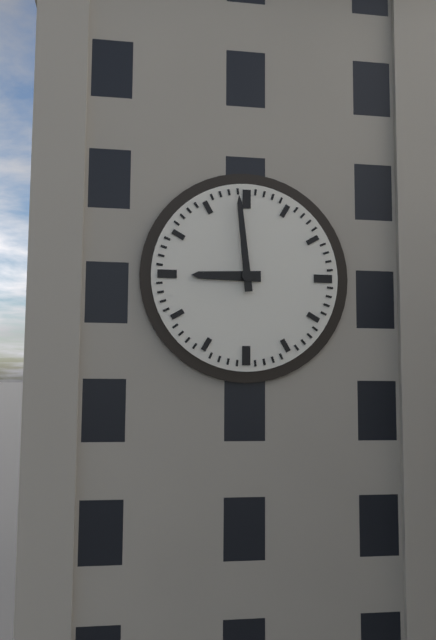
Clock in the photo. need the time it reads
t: 8:59
